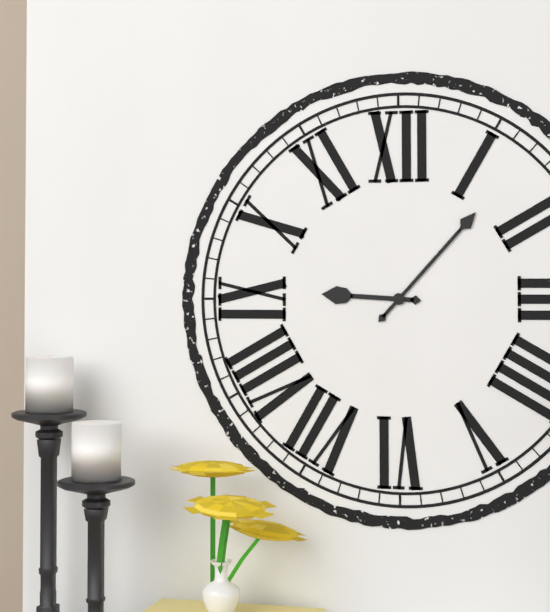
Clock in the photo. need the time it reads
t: 9:07
